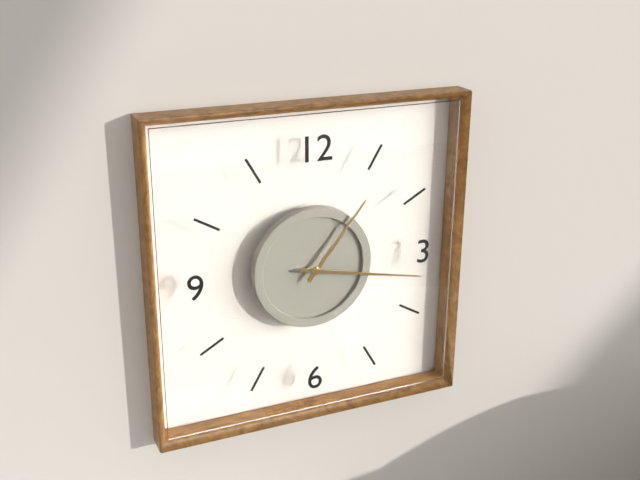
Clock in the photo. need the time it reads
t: 1:17
